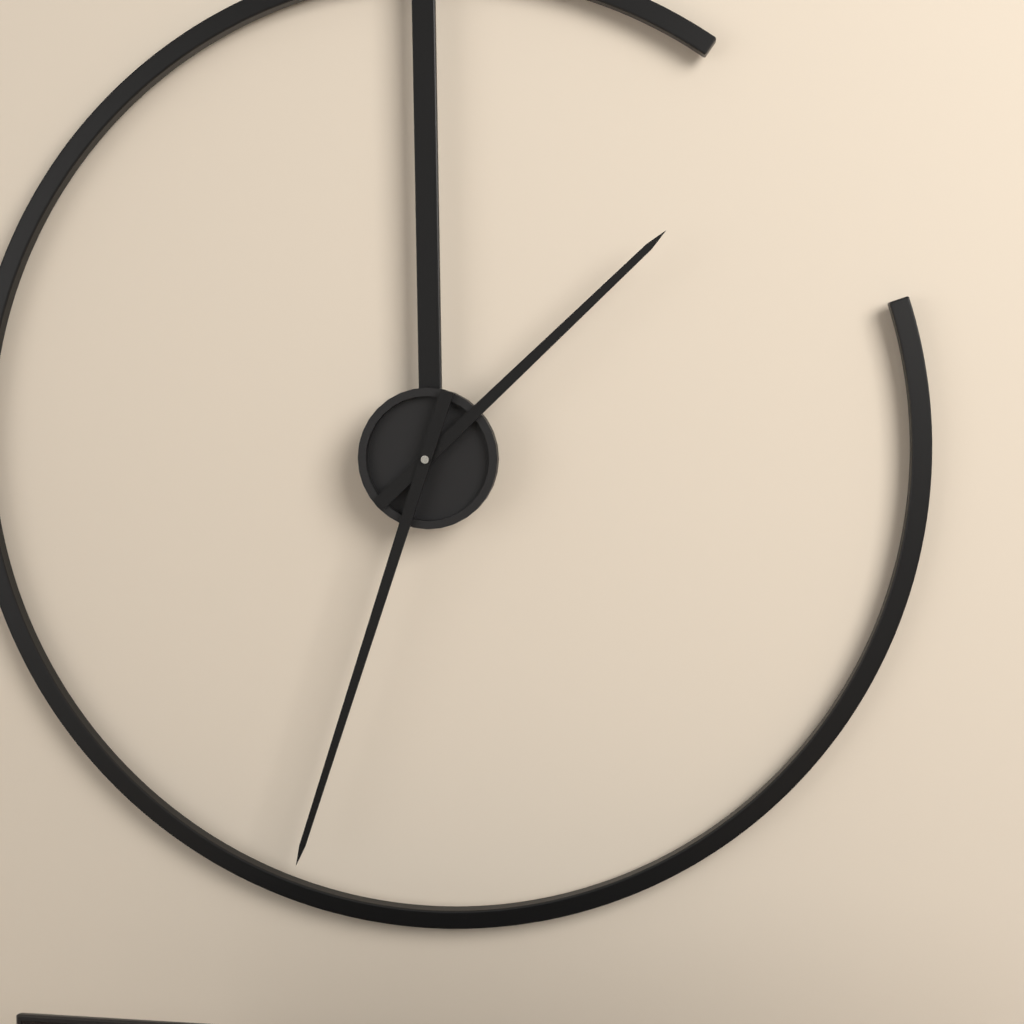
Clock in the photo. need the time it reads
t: 1:33
